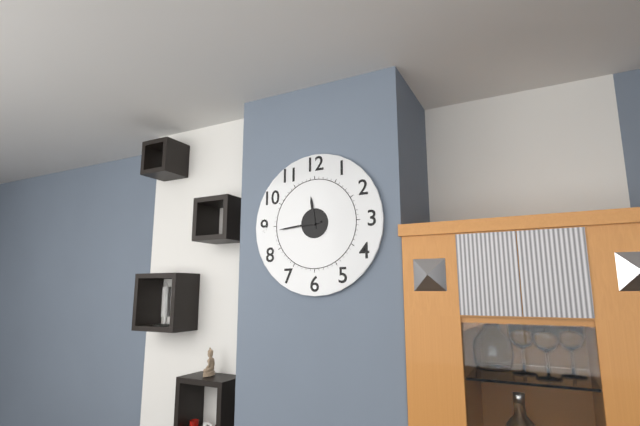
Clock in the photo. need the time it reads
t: 11:44
